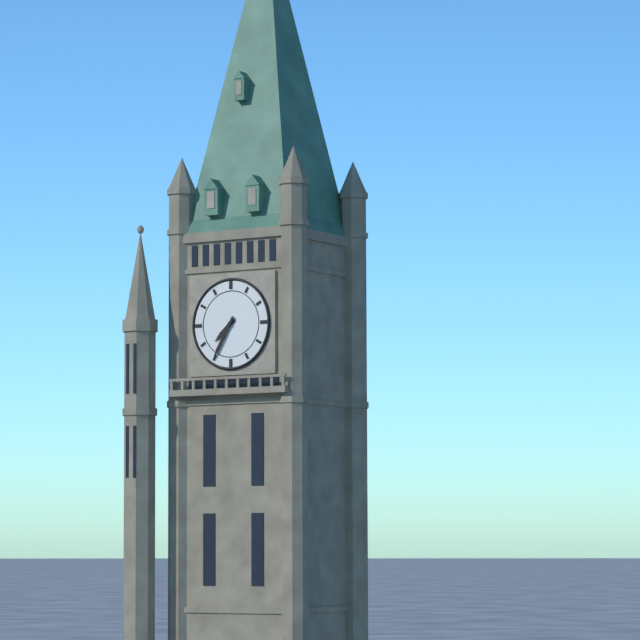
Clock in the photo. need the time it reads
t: 7:35
